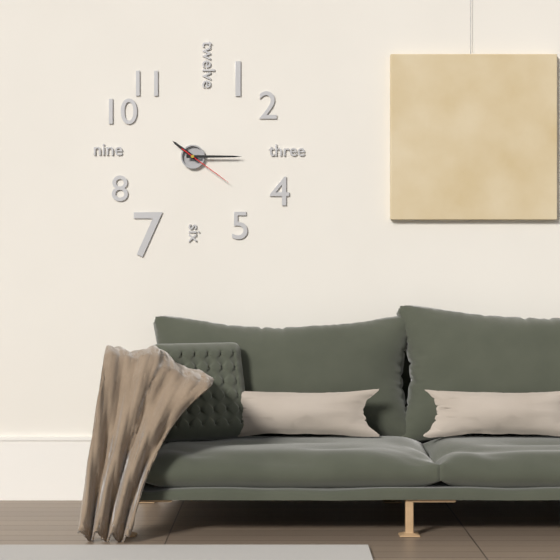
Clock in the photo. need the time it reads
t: 10:15:21
